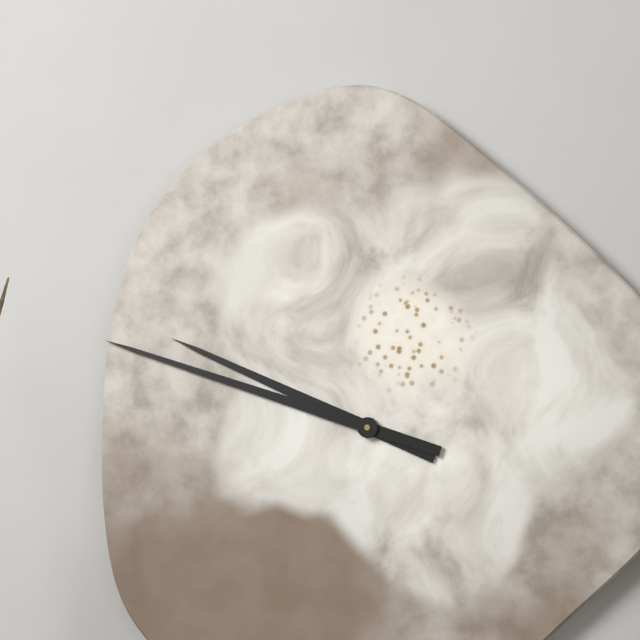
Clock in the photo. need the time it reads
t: 9:48
